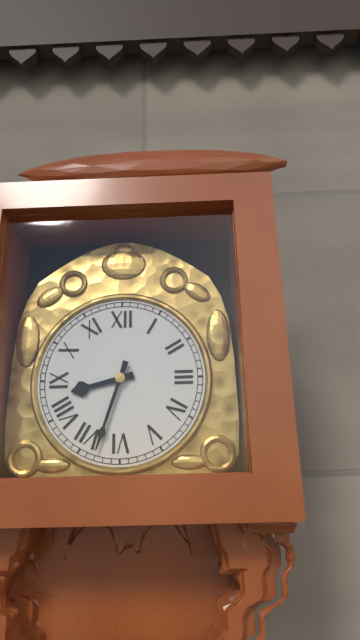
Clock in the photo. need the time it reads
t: 8:33
